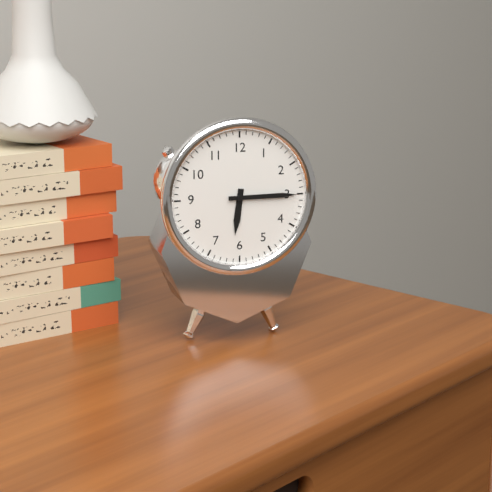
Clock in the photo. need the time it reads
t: 6:15
